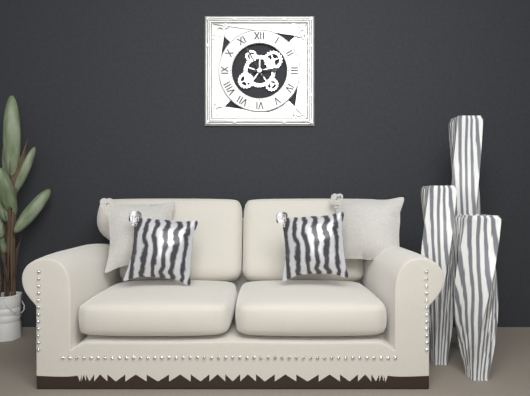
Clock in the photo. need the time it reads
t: 2:55
